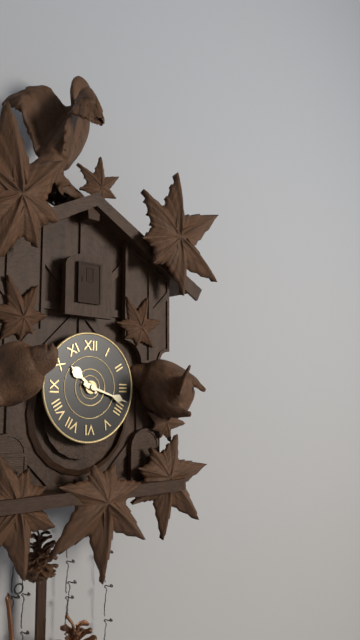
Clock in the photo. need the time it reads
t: 10:18
